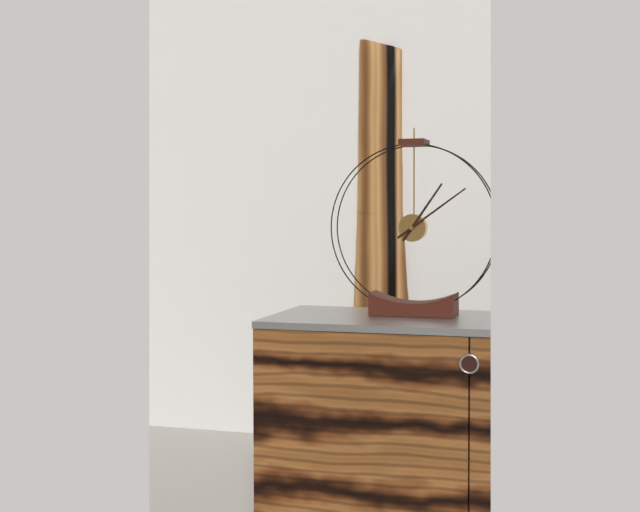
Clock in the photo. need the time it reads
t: 1:09
